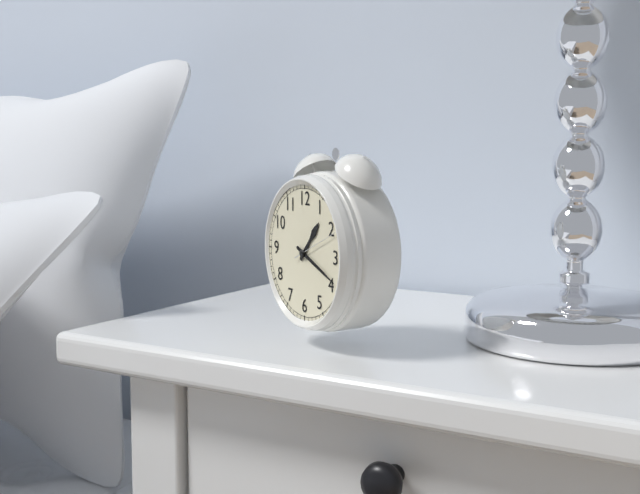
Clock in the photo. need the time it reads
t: 1:19
